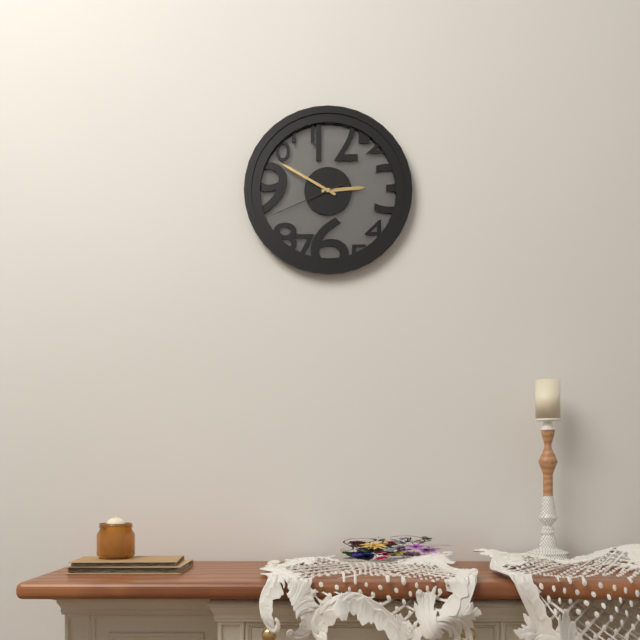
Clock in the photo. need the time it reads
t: 2:50:41
